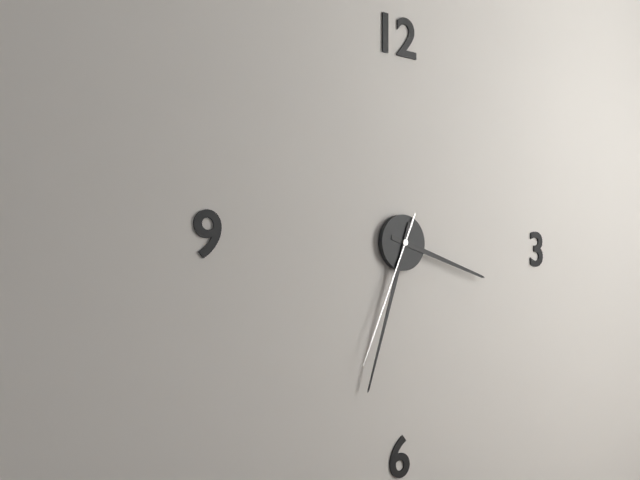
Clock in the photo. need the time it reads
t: 3:33:34
